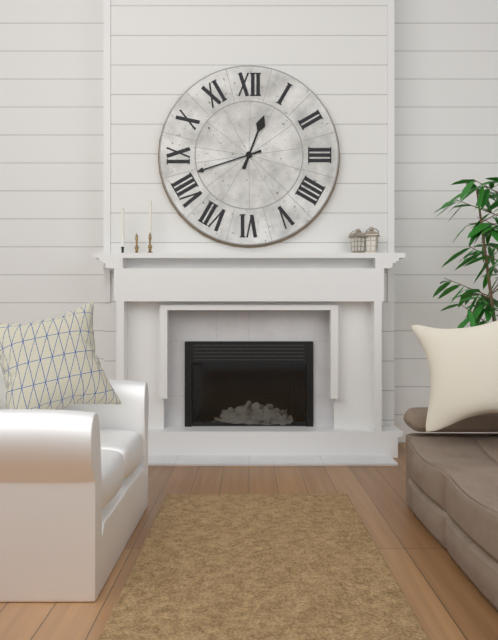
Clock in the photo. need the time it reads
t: 12:42
